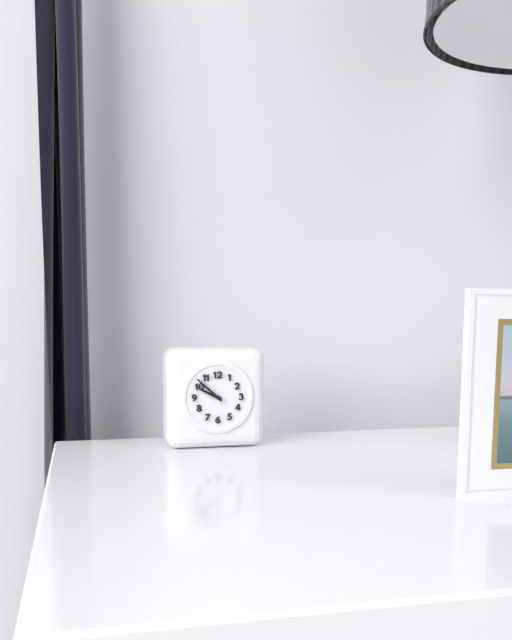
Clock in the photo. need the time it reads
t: 9:52
